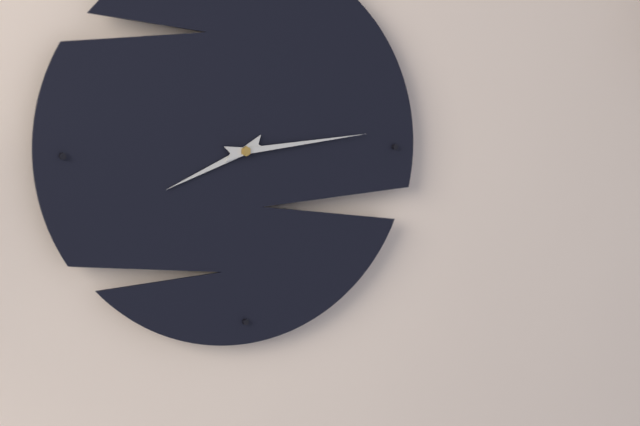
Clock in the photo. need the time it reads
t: 8:14
